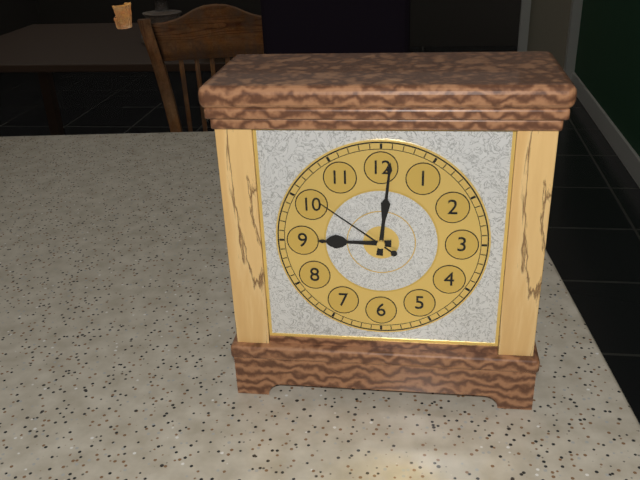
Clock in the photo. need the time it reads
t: 9:01:51
